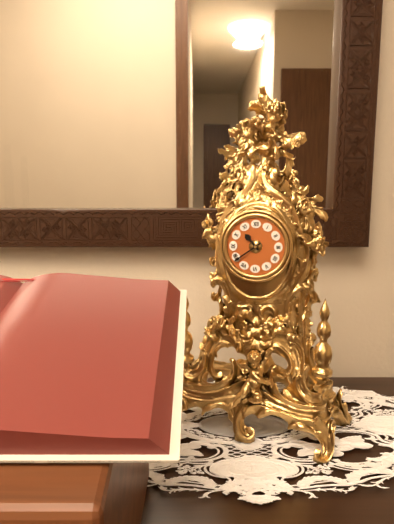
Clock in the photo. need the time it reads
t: 10:39
